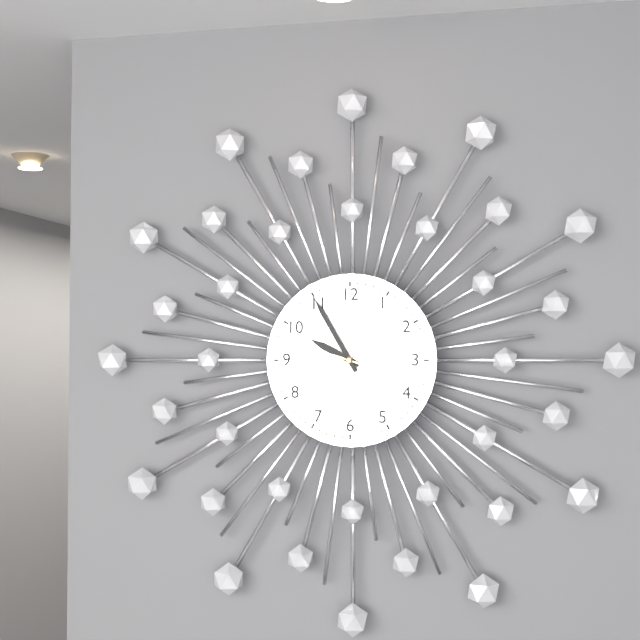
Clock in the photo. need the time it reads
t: 9:55:18
